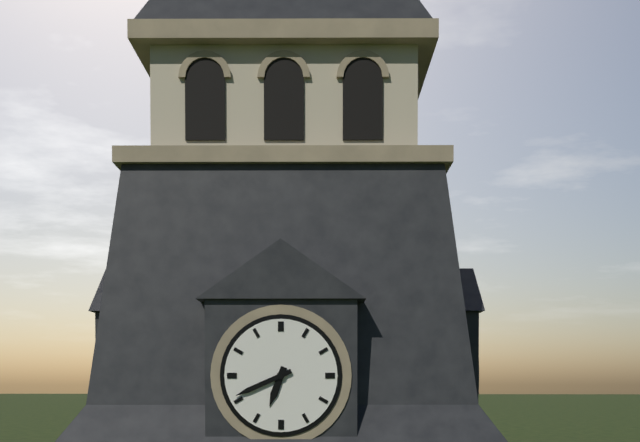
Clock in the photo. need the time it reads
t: 6:41
